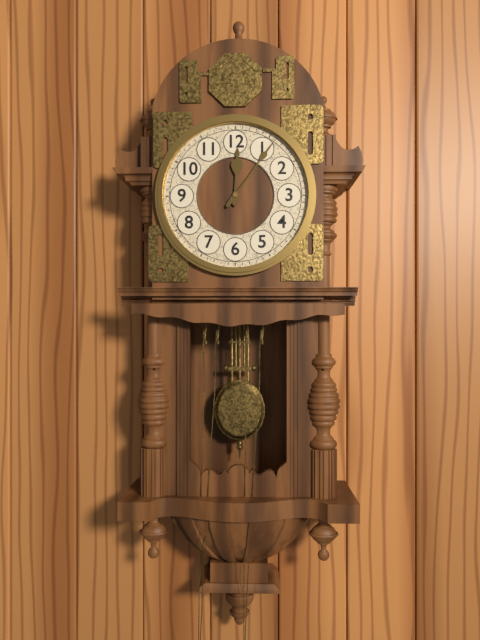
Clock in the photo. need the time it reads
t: 12:06
